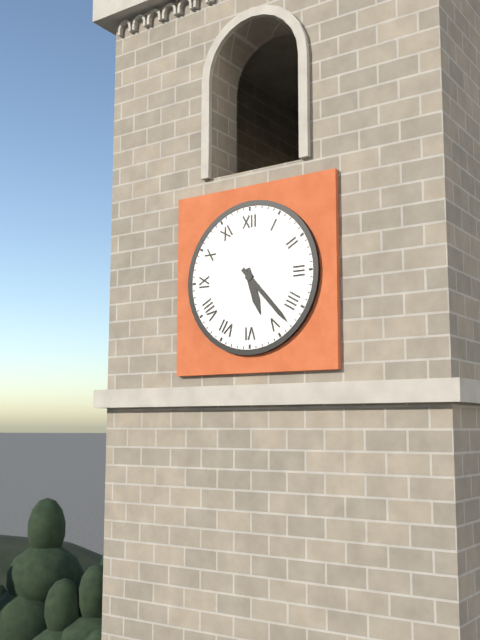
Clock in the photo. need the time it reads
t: 5:23
